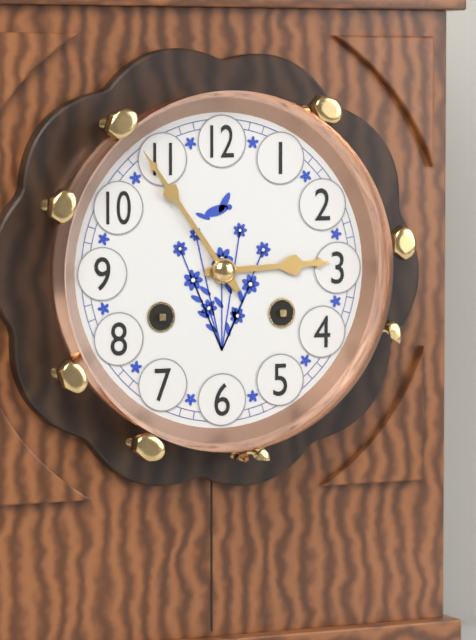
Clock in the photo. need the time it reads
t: 2:54
